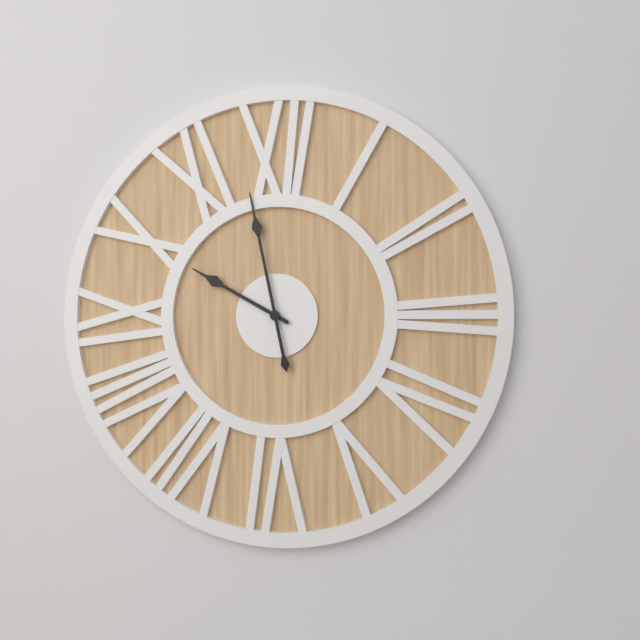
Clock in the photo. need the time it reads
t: 9:58
